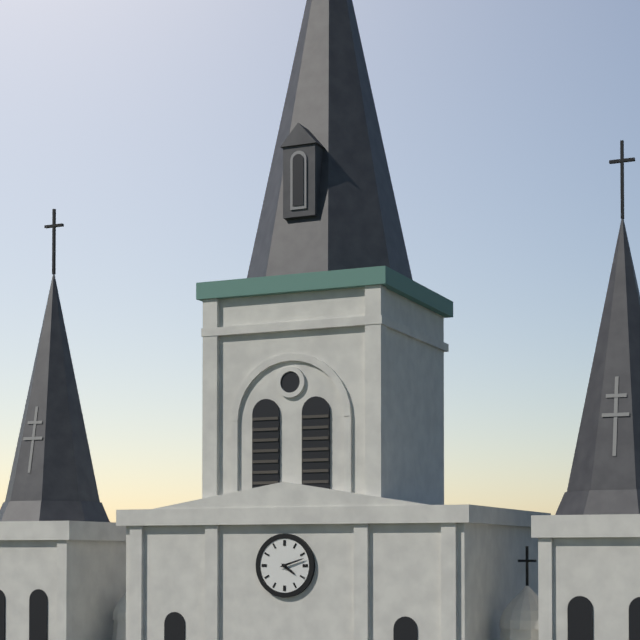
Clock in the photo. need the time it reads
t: 4:12
